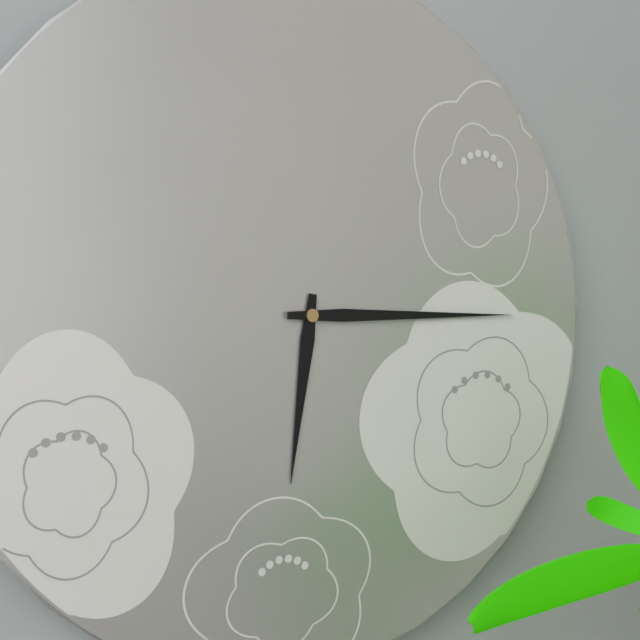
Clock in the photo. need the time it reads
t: 6:15
